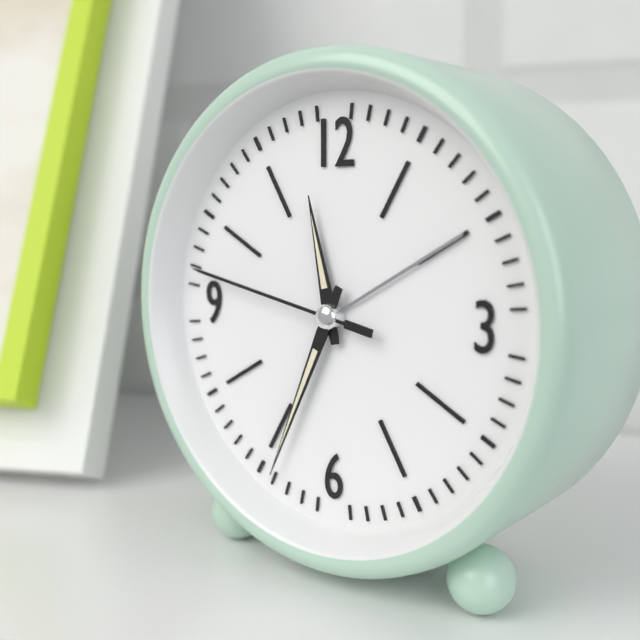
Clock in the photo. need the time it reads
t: 11:34:47
